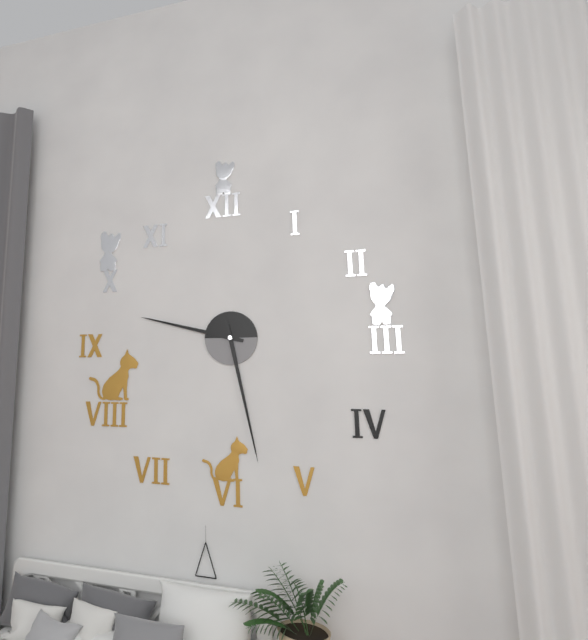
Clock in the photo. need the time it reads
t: 9:28
